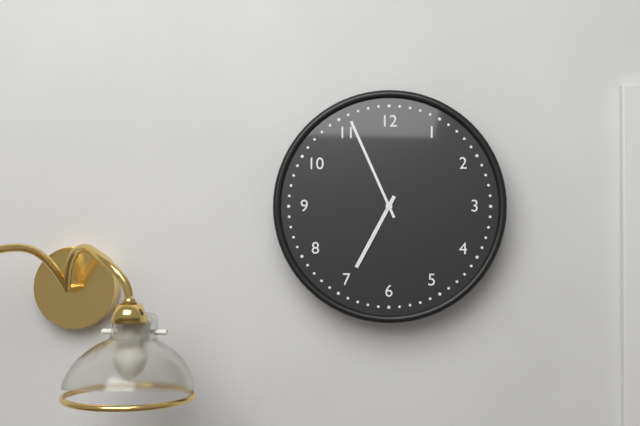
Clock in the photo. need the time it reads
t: 6:56
